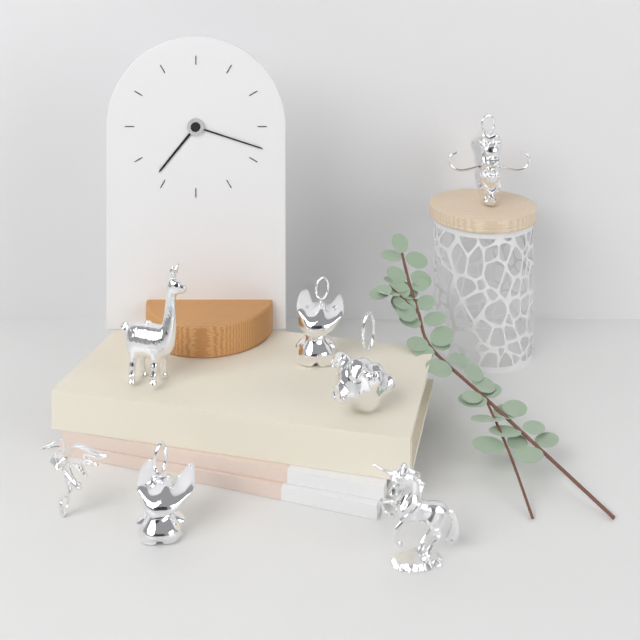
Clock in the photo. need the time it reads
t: 7:18
